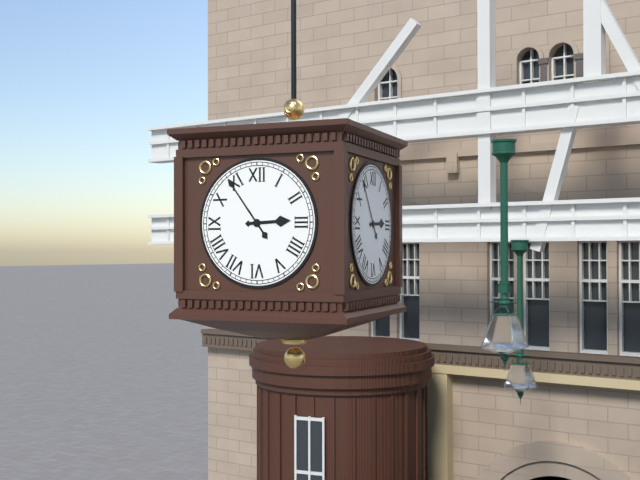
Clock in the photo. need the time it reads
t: 2:54
